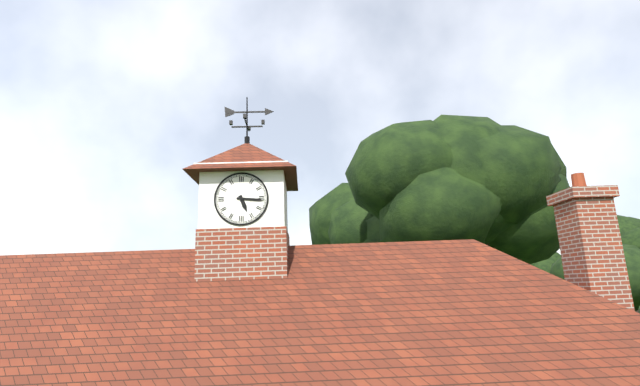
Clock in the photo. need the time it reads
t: 5:16
